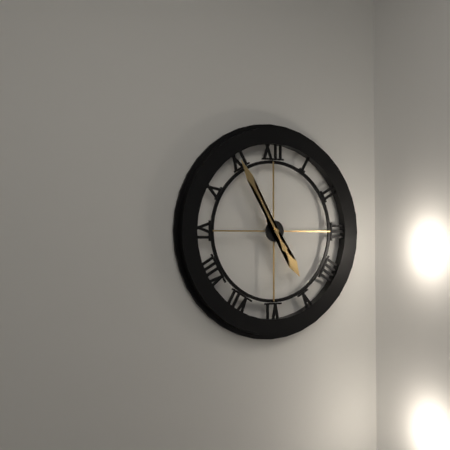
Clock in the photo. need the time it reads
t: 4:55
